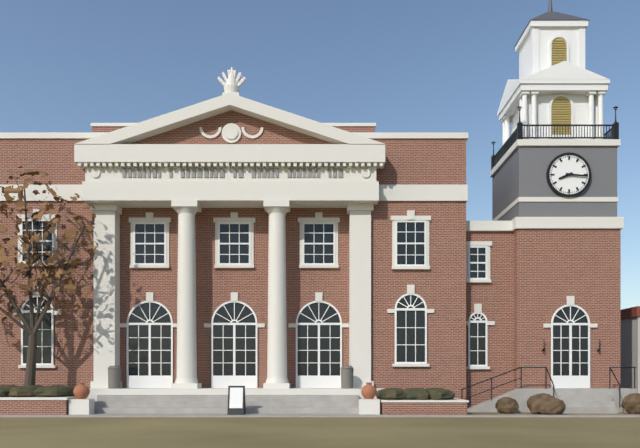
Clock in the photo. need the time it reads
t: 8:16
